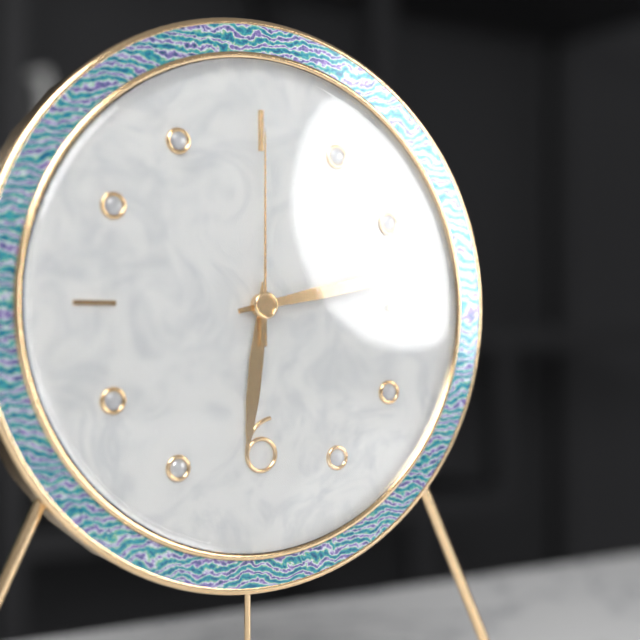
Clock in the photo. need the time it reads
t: 6:13:00
